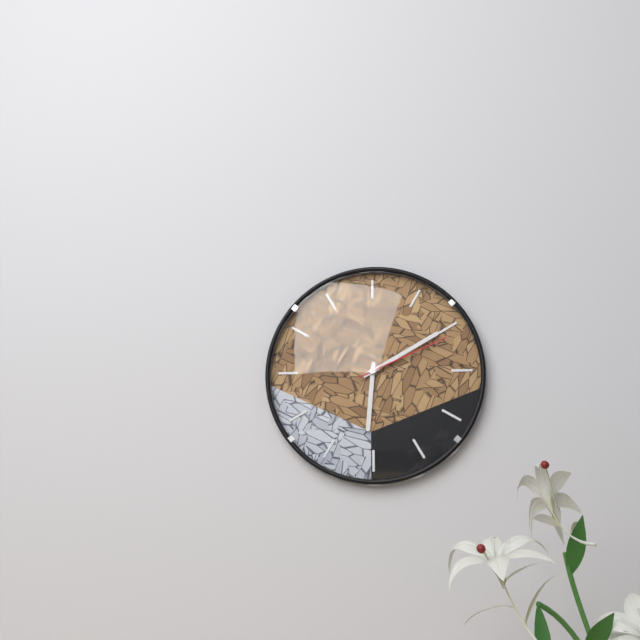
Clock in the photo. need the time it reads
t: 6:10:11
